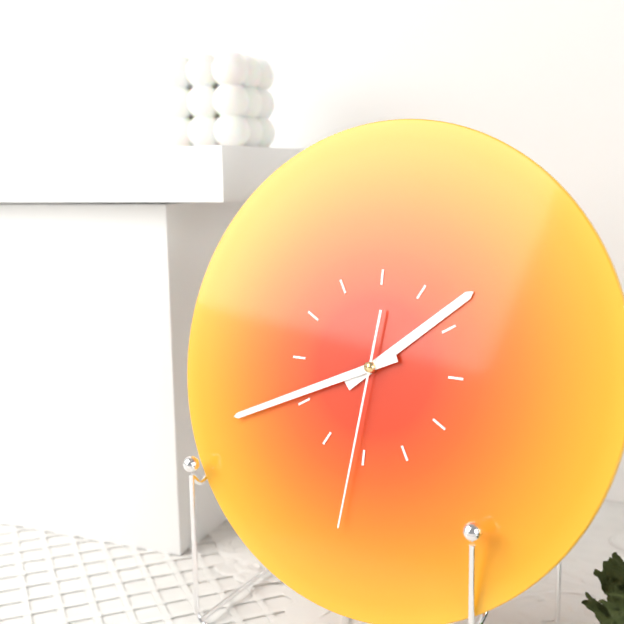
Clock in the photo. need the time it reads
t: 1:41:31
